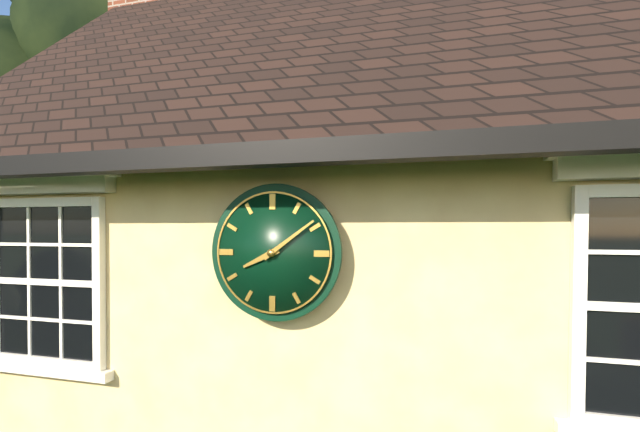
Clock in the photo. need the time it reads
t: 8:09
